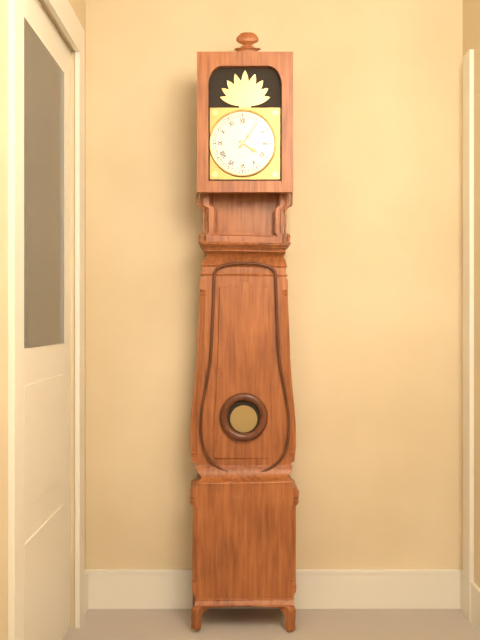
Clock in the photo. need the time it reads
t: 4:06
